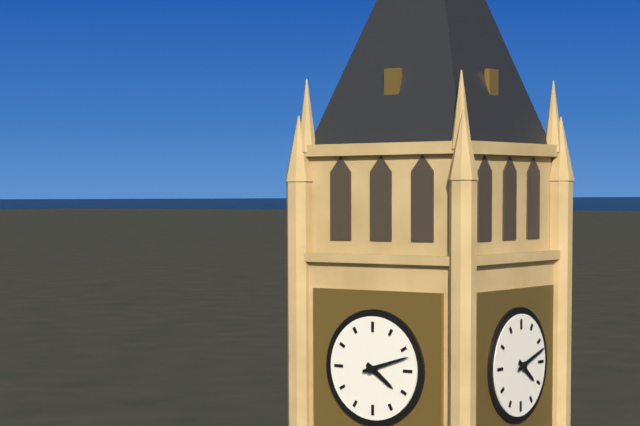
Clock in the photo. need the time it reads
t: 4:12
